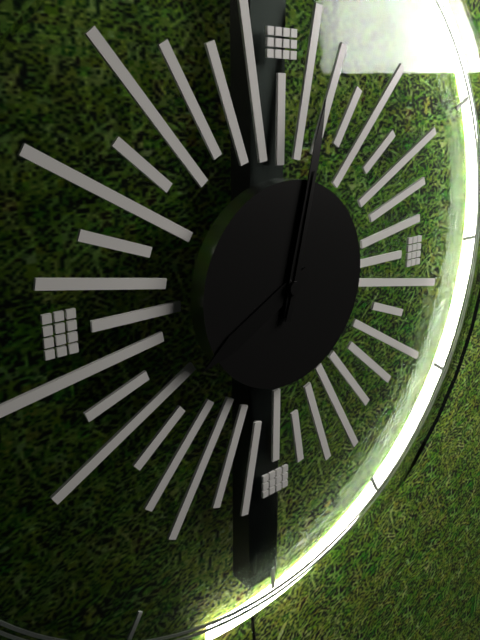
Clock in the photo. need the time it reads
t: 8:02:02
